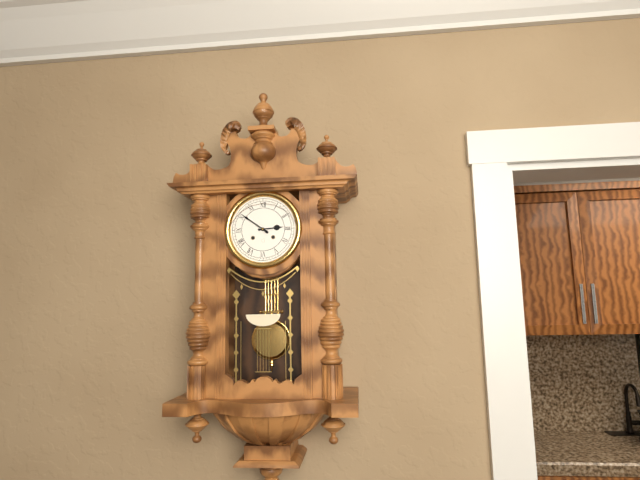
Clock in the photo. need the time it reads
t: 2:51
